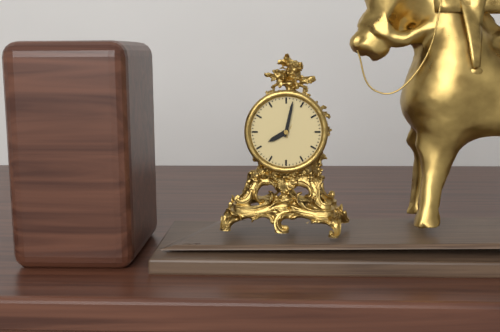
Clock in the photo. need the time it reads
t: 8:02
